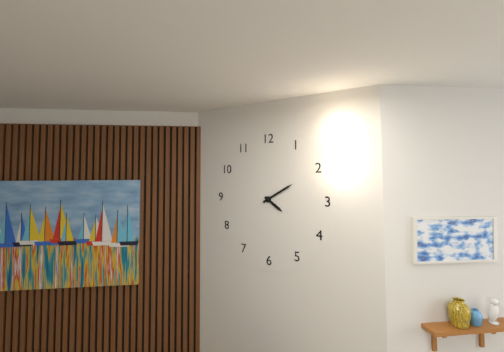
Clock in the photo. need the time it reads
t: 4:10
